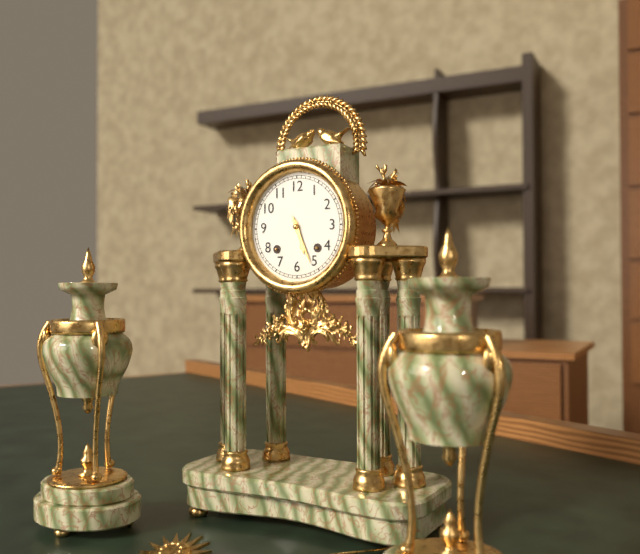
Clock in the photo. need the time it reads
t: 5:26
